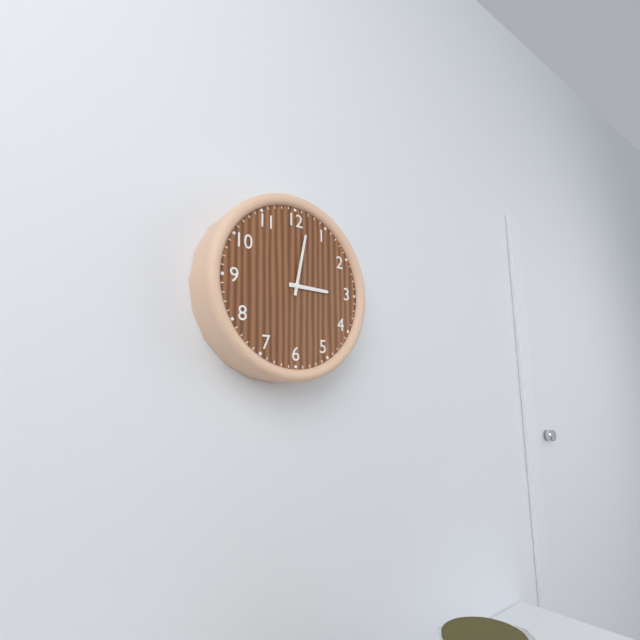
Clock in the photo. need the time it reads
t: 3:02
